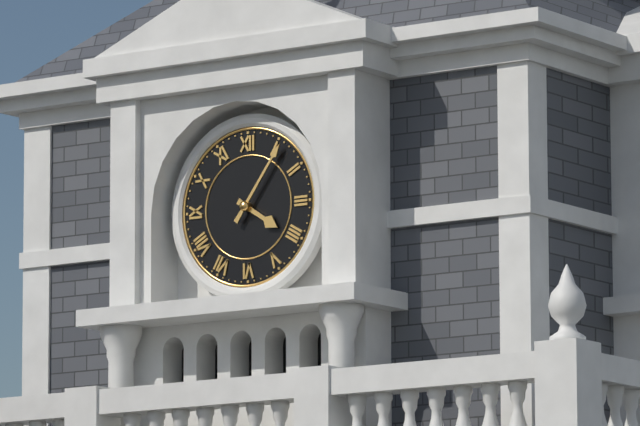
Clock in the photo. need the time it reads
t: 4:06
